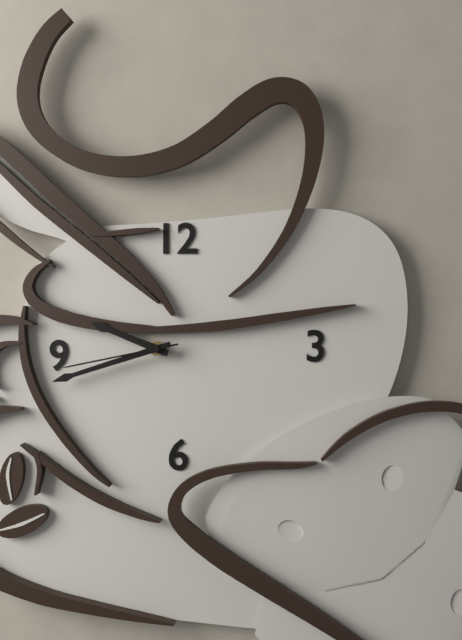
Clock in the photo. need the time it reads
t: 9:42:43
